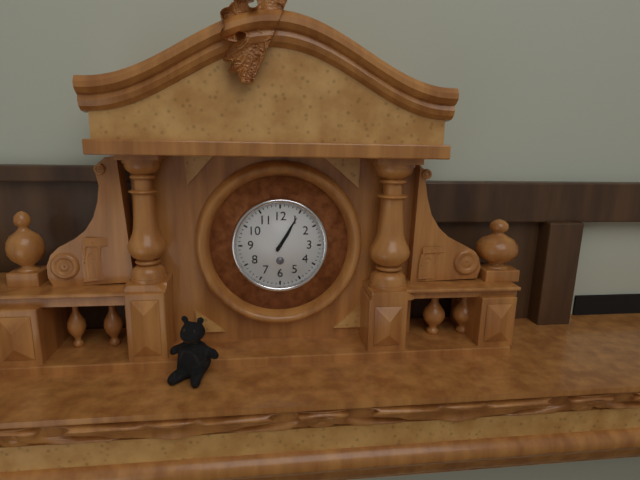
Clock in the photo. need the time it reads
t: 1:05
